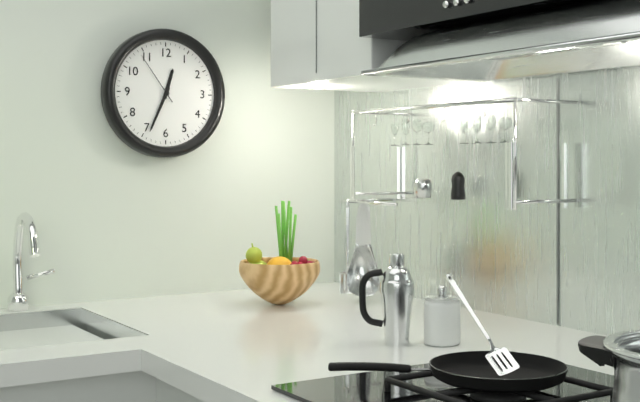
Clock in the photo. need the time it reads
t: 12:34:54
